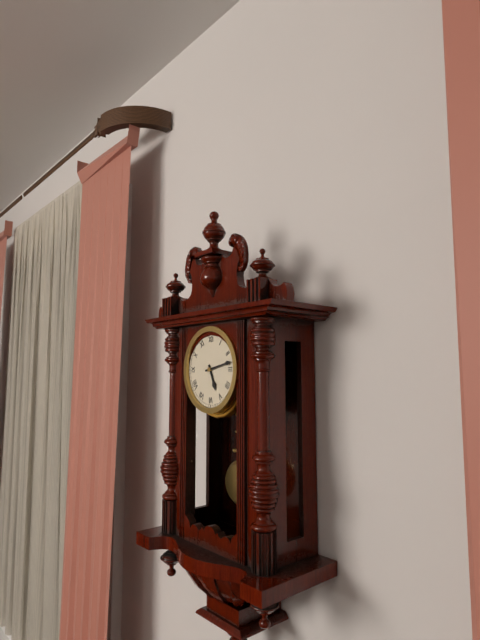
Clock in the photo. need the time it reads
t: 5:13
